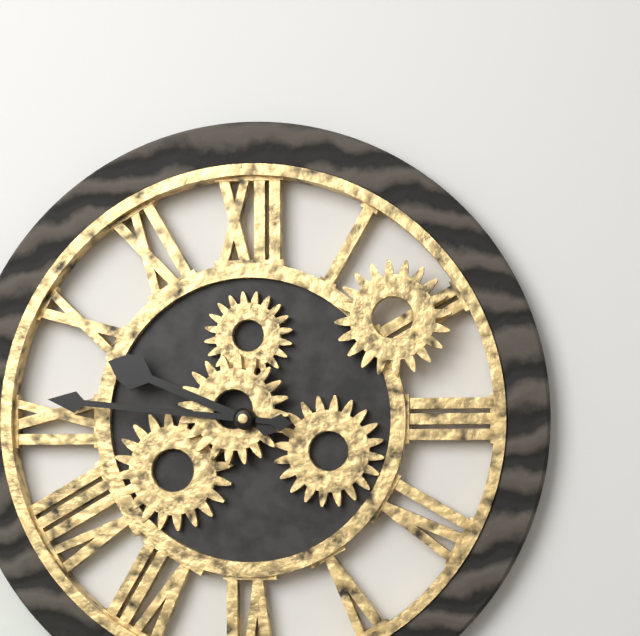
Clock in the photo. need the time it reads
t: 9:46
